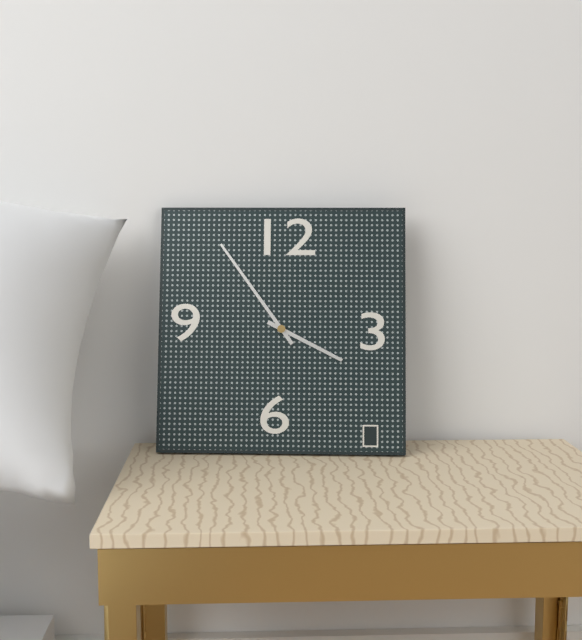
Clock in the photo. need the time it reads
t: 3:54
